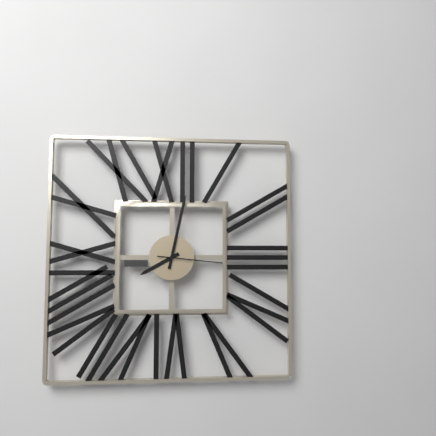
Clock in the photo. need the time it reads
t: 8:02:16
